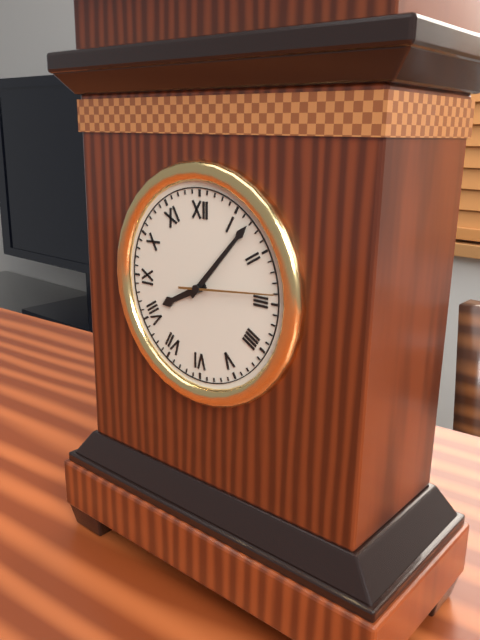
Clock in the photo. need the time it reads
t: 8:07:14
